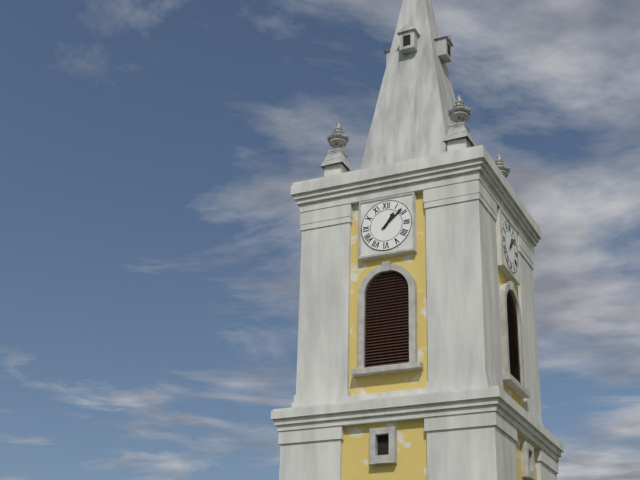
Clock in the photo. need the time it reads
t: 1:08
